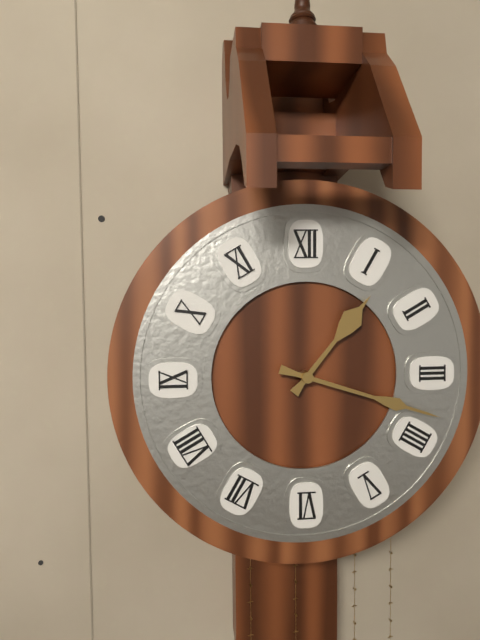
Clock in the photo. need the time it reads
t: 1:18
